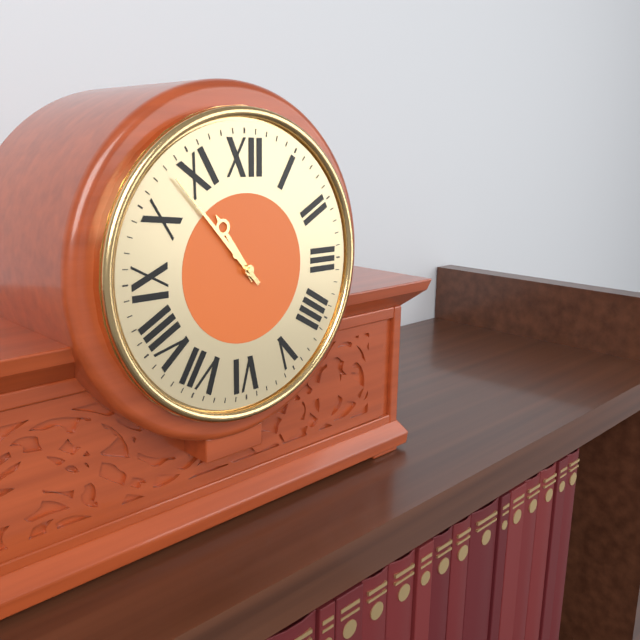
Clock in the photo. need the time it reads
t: 10:53
